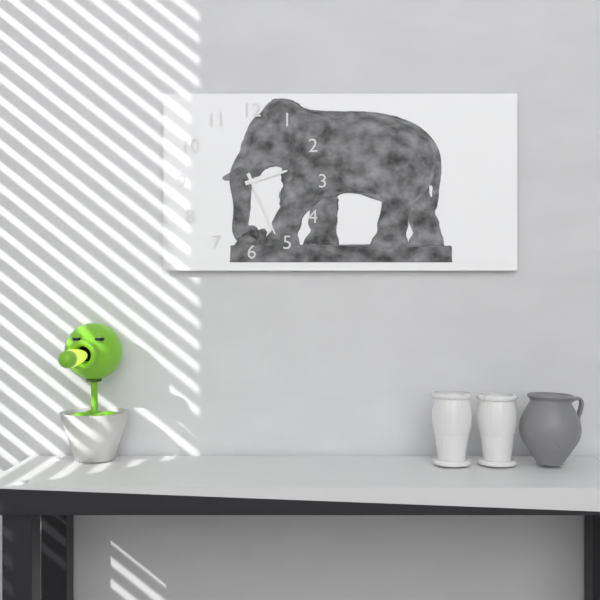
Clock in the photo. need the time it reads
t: 2:26
